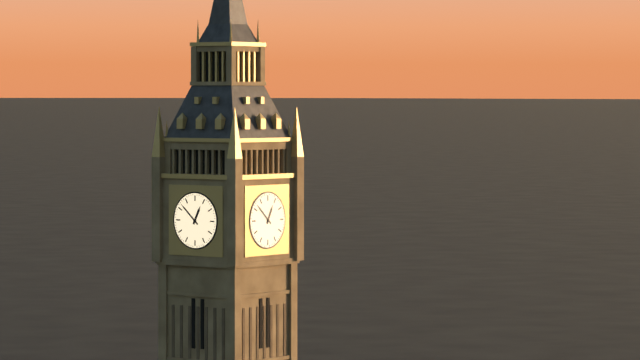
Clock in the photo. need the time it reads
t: 12:52
